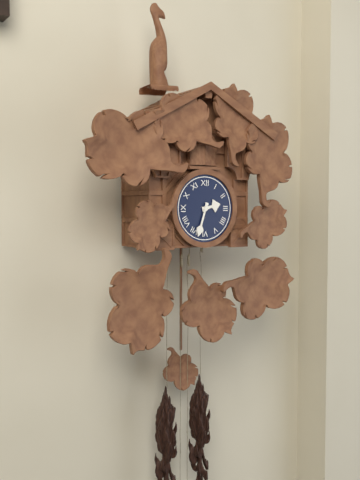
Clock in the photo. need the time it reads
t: 2:33
